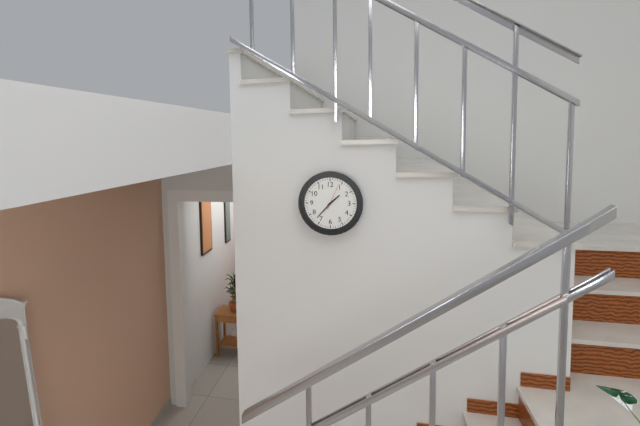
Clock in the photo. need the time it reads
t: 1:37
